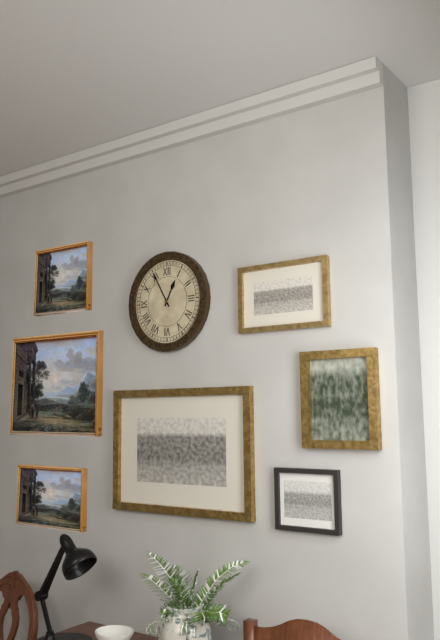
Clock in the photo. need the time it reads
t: 12:55
